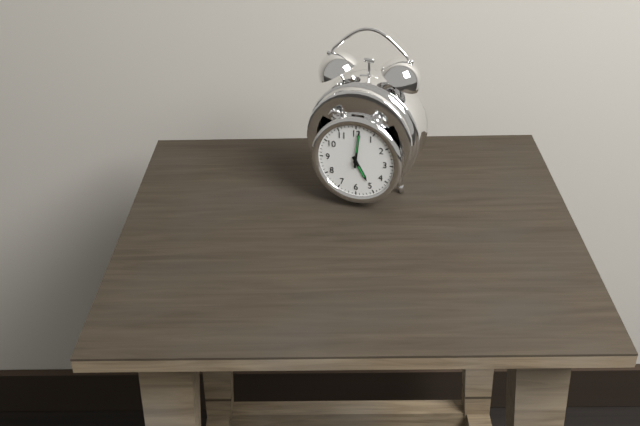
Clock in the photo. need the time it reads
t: 5:01
